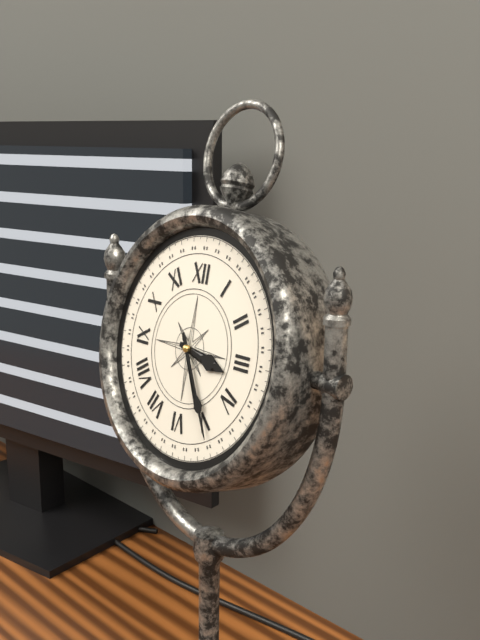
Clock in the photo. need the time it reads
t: 3:25
